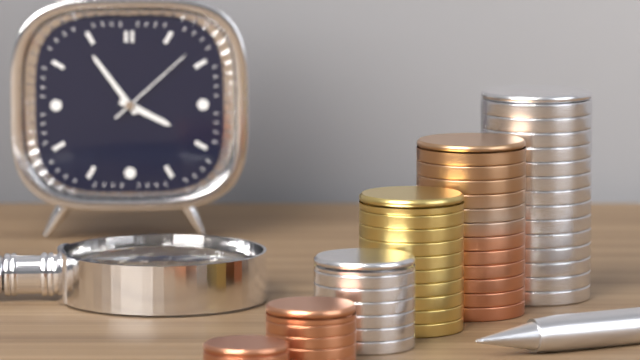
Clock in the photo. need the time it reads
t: 3:54:08
